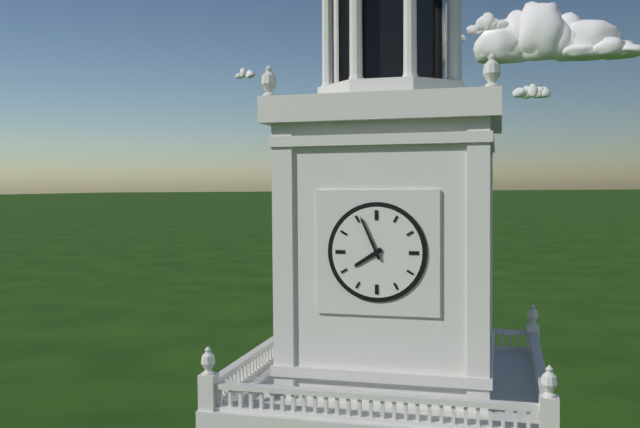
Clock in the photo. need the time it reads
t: 7:56
